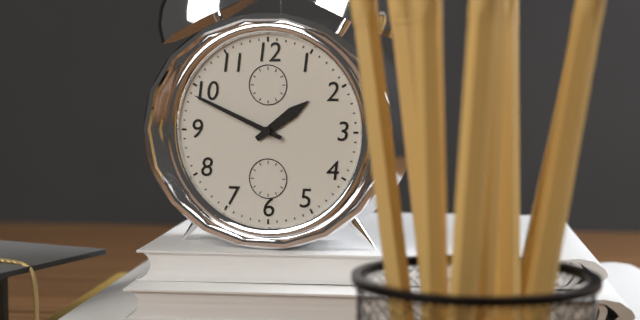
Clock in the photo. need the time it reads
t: 1:49
